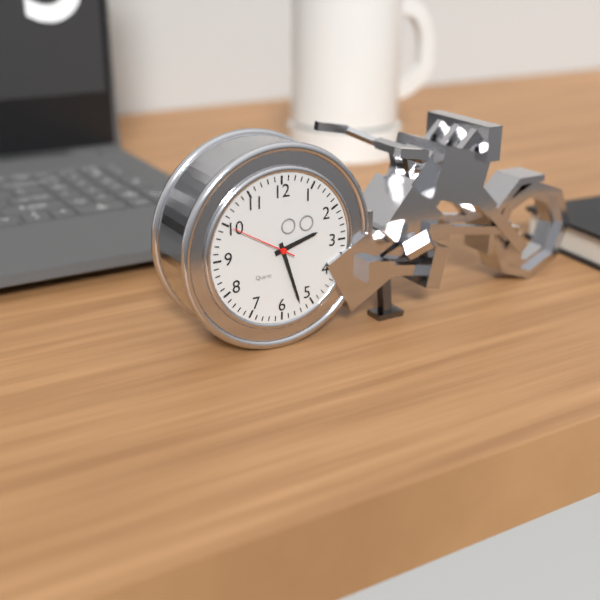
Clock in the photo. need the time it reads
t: 2:27:50
